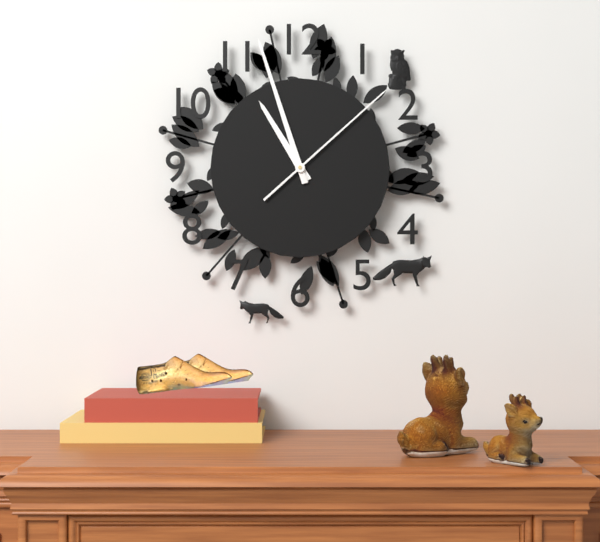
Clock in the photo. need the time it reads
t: 10:57:08
